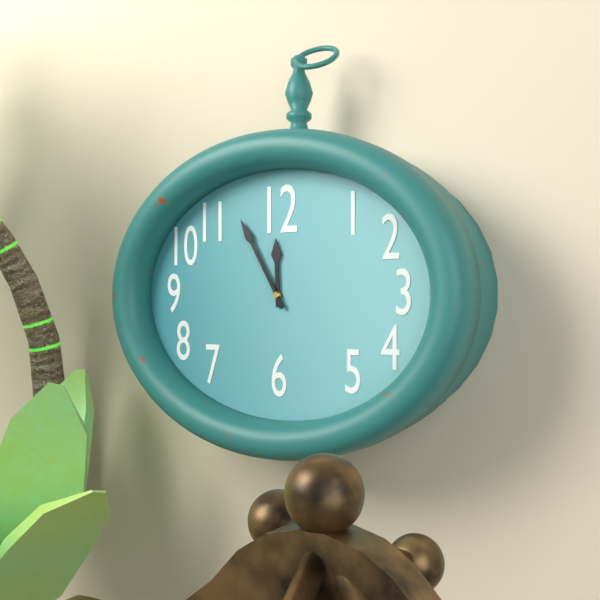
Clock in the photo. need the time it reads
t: 11:55
